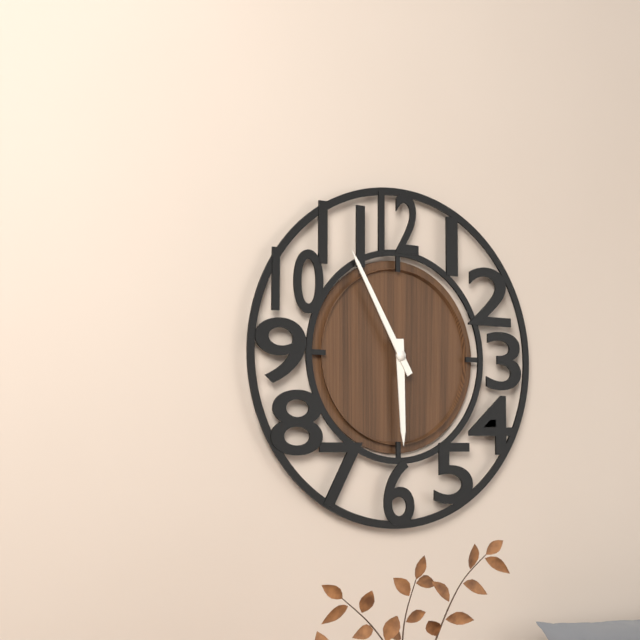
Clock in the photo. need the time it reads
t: 5:55
